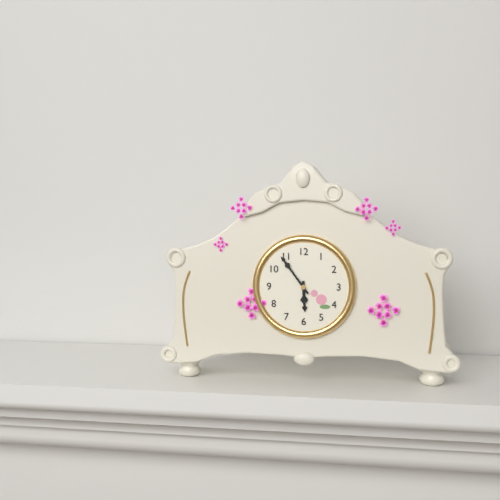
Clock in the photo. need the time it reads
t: 5:54
